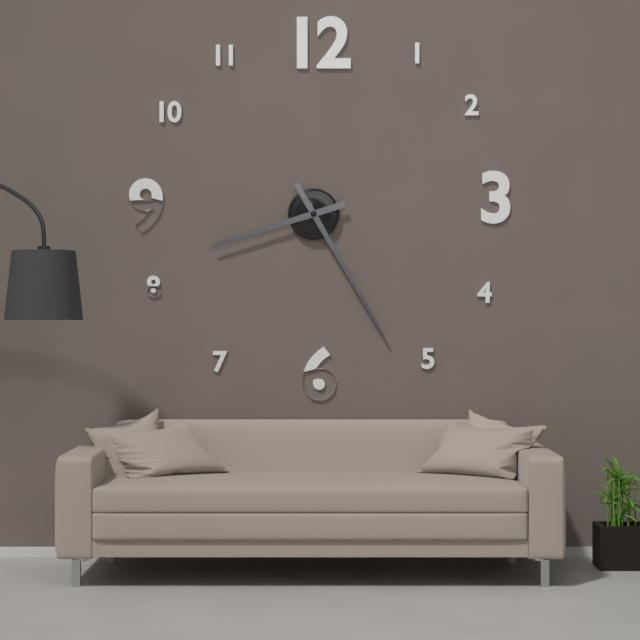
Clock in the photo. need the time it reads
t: 8:25
